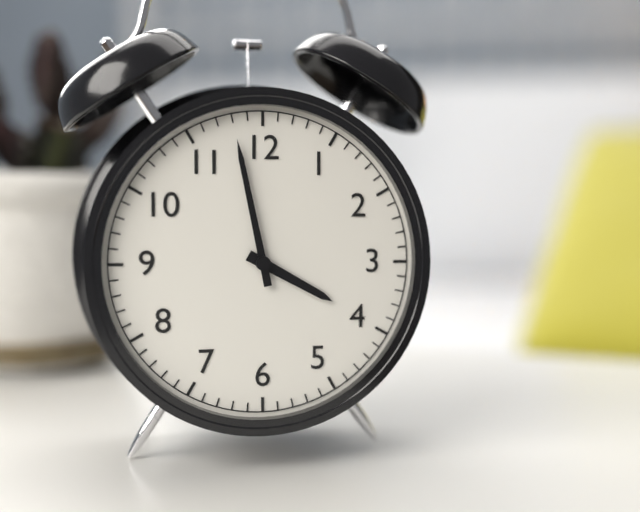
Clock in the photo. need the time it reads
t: 3:58
